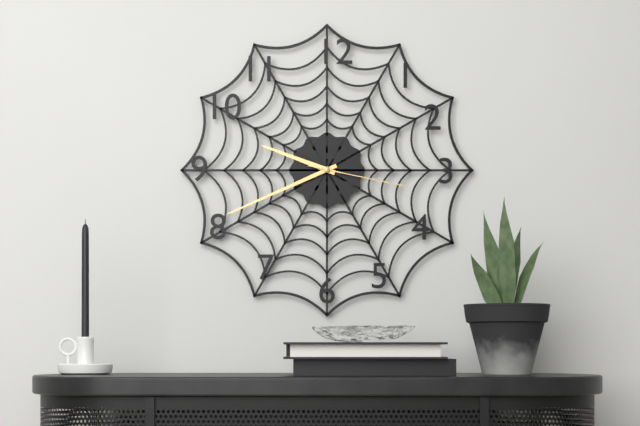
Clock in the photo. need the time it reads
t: 9:41:17
